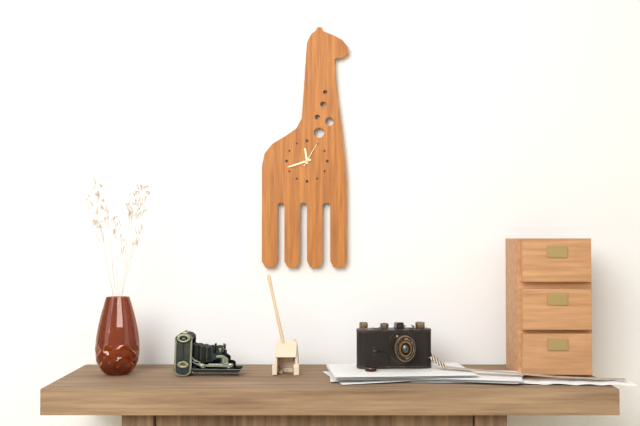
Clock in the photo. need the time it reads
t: 11:42
